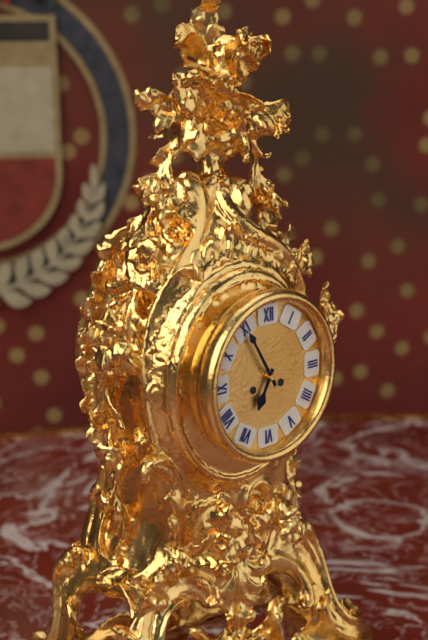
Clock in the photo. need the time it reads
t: 6:55
